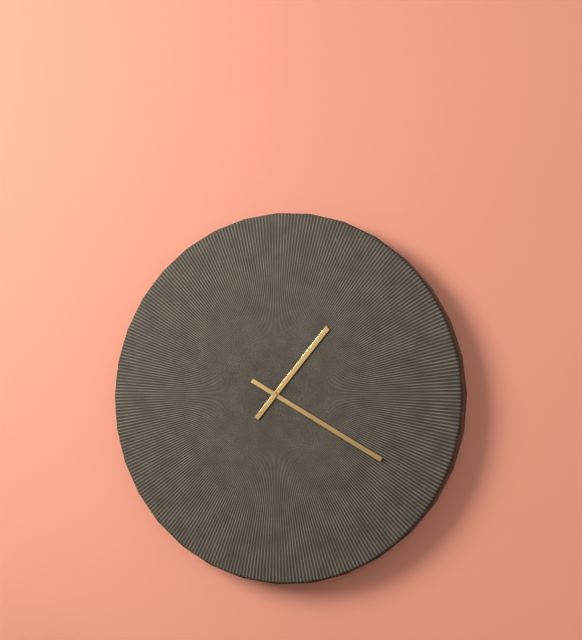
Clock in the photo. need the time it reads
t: 1:20
